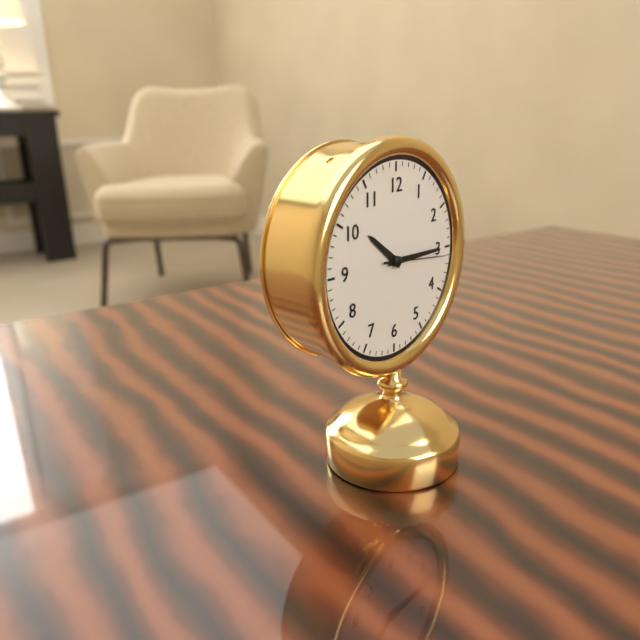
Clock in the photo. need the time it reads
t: 10:15:16
